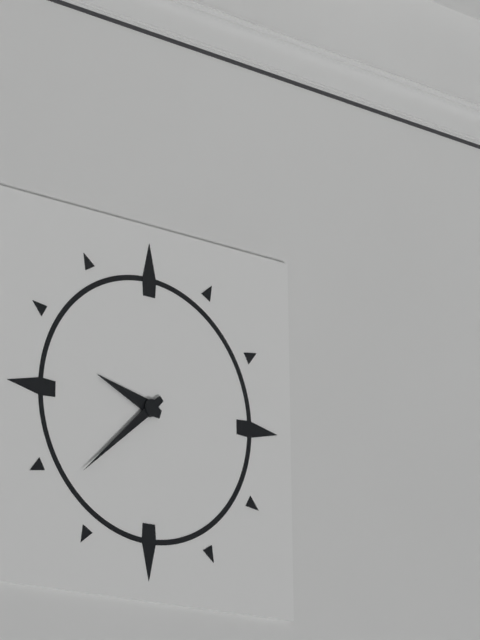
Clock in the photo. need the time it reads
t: 9:38
